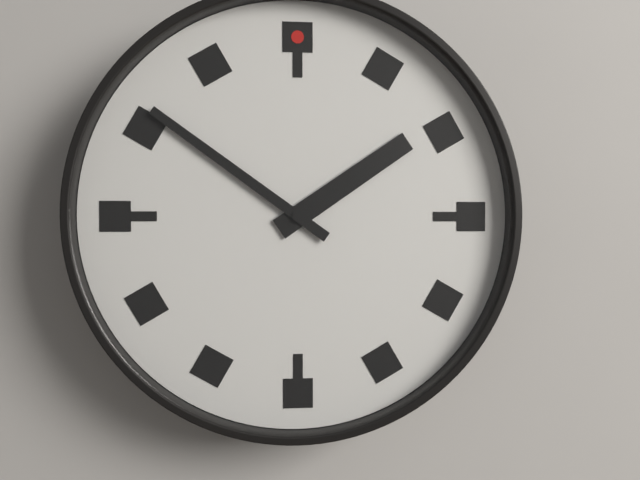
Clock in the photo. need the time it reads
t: 1:51
